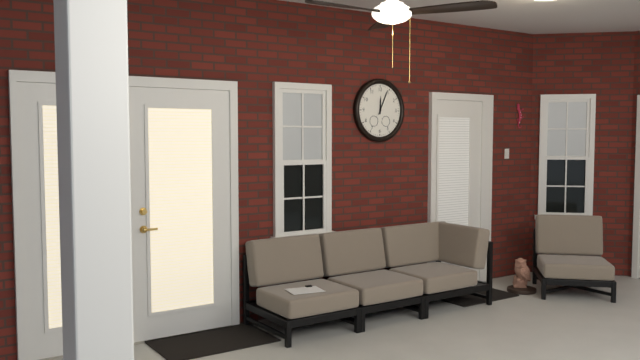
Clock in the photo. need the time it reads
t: 12:04
